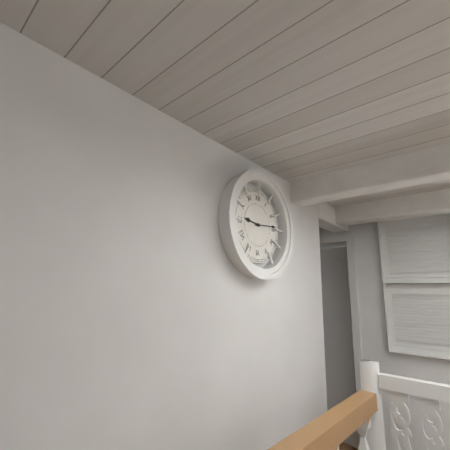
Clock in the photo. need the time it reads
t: 9:14
